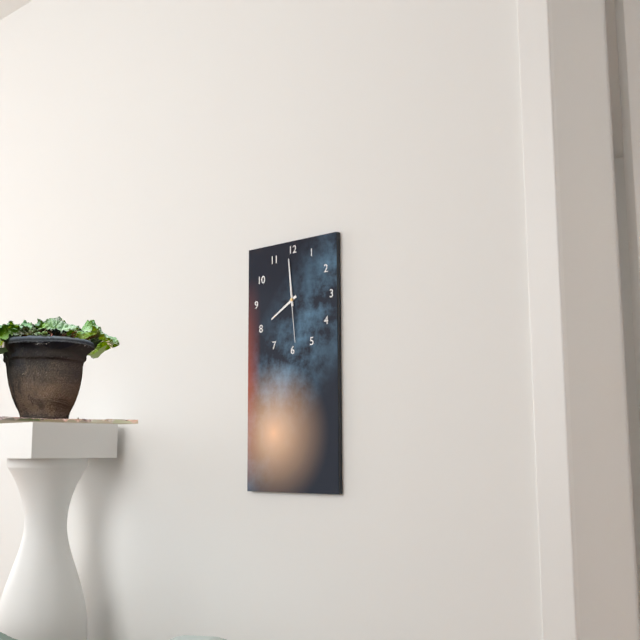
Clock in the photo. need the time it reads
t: 7:59:29
